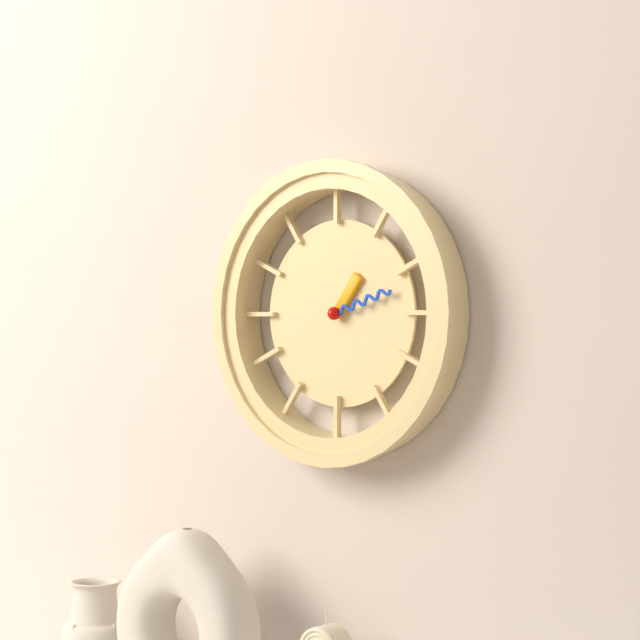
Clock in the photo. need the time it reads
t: 1:12
